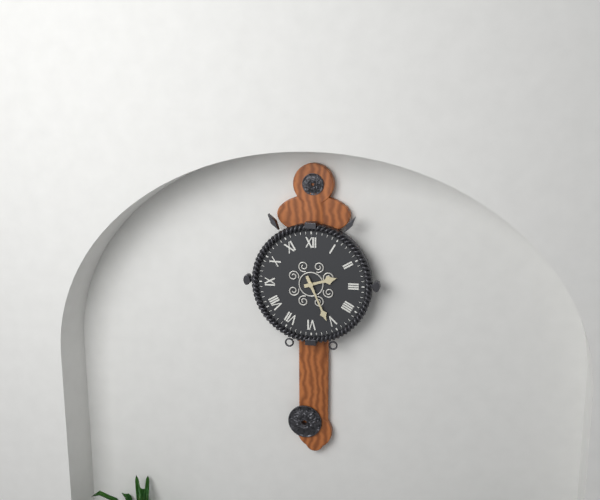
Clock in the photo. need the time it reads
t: 2:26
